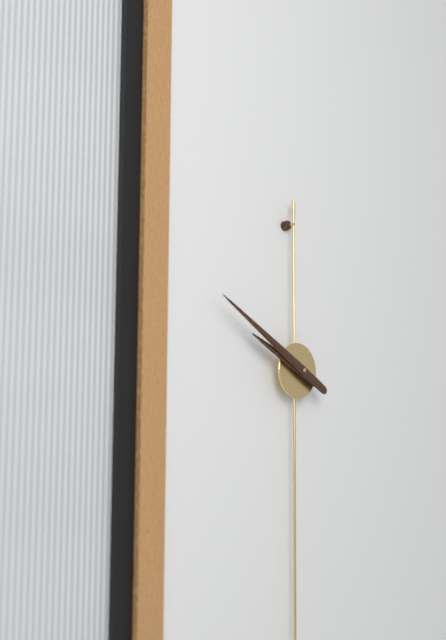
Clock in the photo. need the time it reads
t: 9:50
